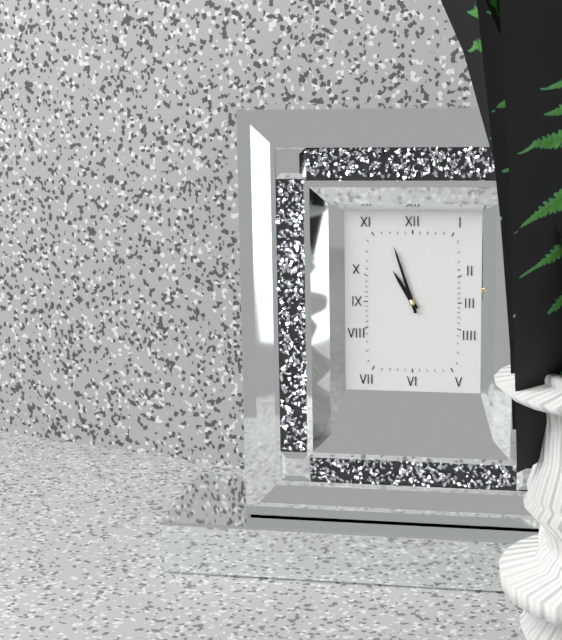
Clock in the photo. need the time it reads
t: 10:57
